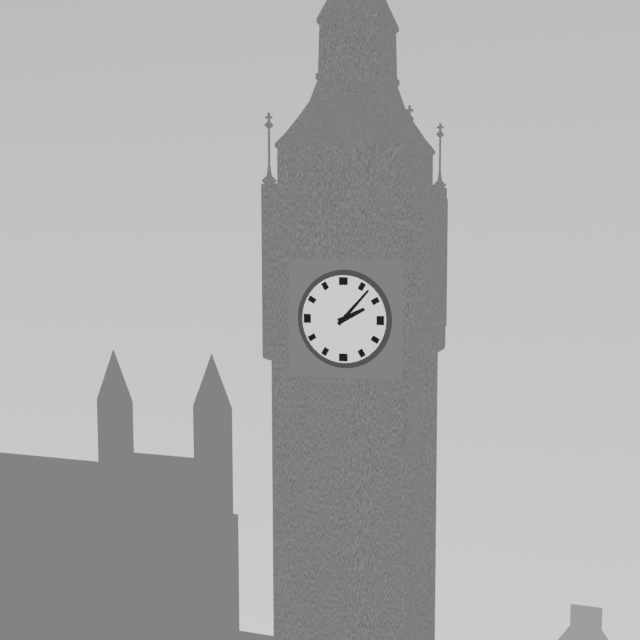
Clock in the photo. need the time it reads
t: 2:07
